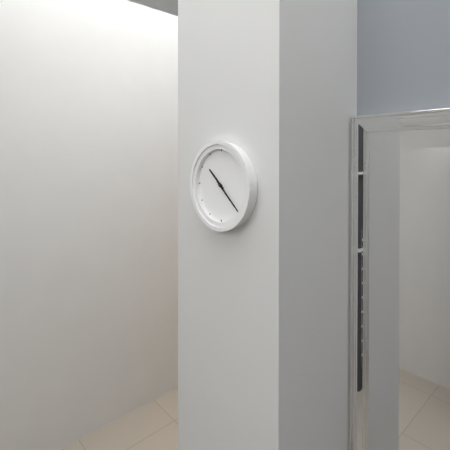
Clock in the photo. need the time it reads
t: 10:22
